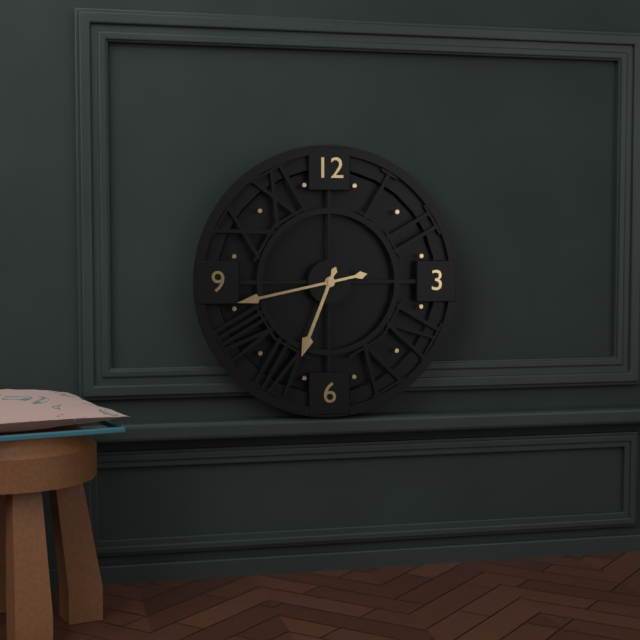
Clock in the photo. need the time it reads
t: 6:43
